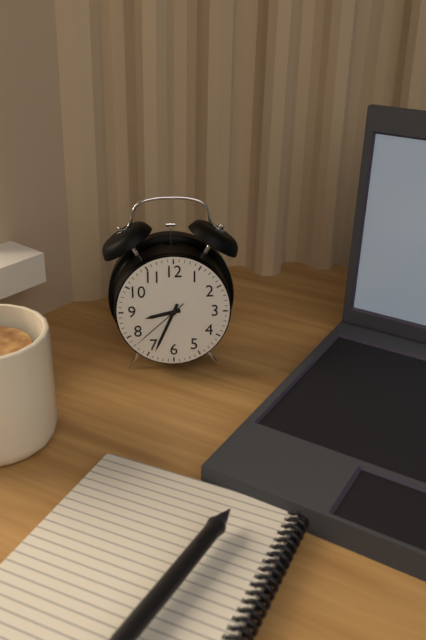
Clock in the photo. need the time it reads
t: 8:34:38
